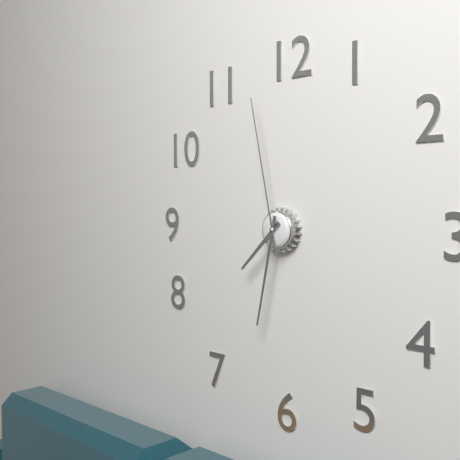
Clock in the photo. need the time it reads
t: 7:32:58
